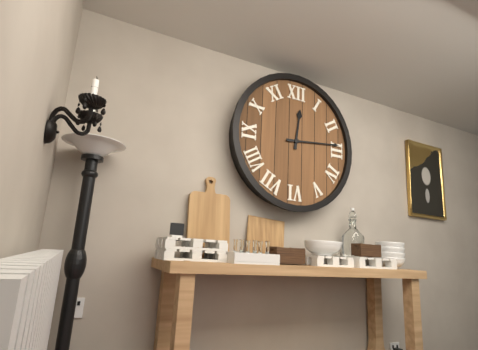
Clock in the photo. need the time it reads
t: 12:14
